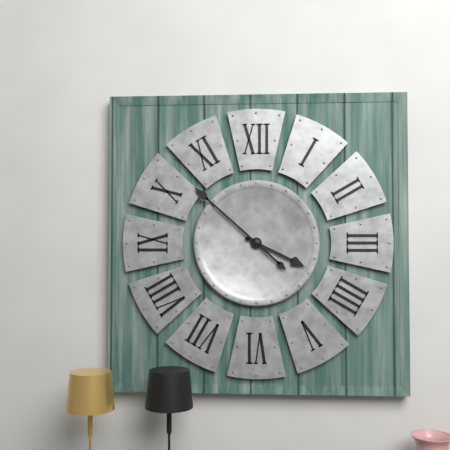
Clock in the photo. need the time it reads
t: 3:52
